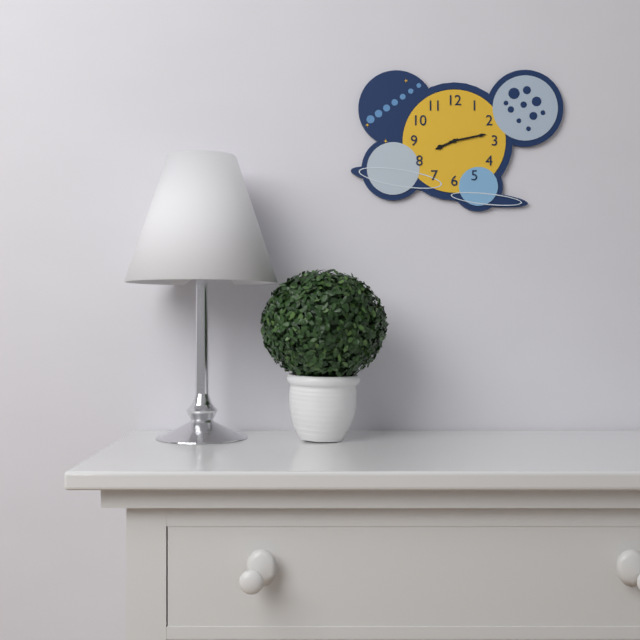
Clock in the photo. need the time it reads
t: 8:13
